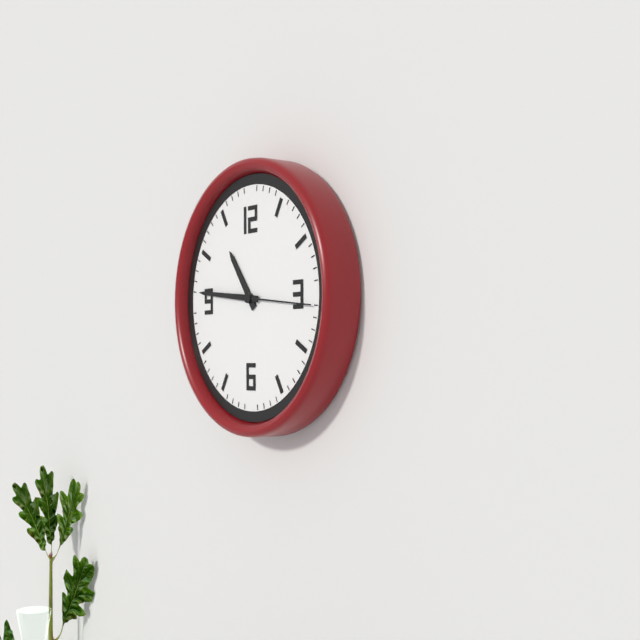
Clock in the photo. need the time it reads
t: 10:46:16
